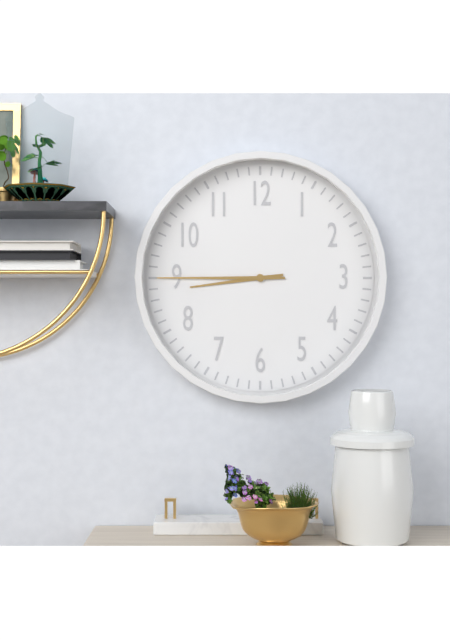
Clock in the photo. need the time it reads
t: 8:45
